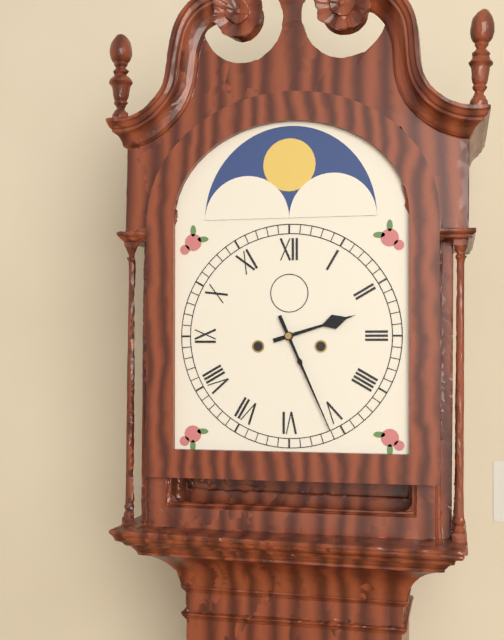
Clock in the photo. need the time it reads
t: 2:26
